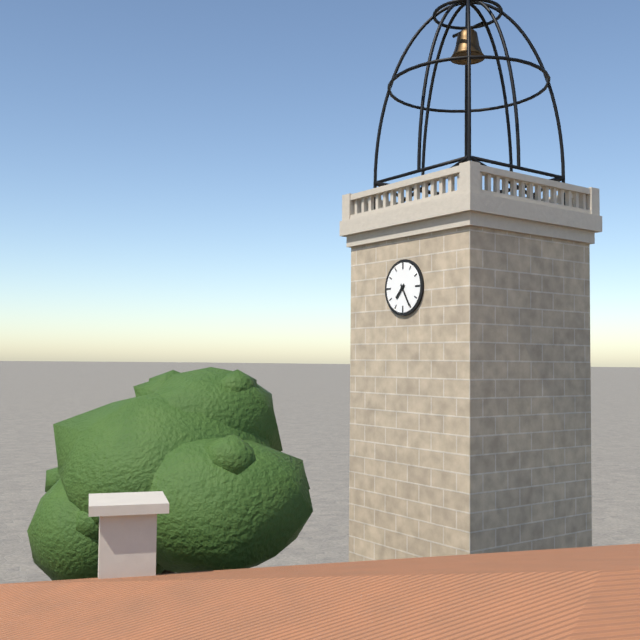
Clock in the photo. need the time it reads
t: 7:25
